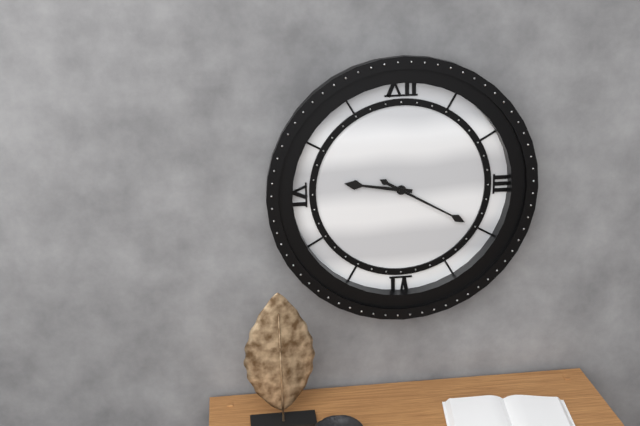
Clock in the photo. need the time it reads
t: 9:20
